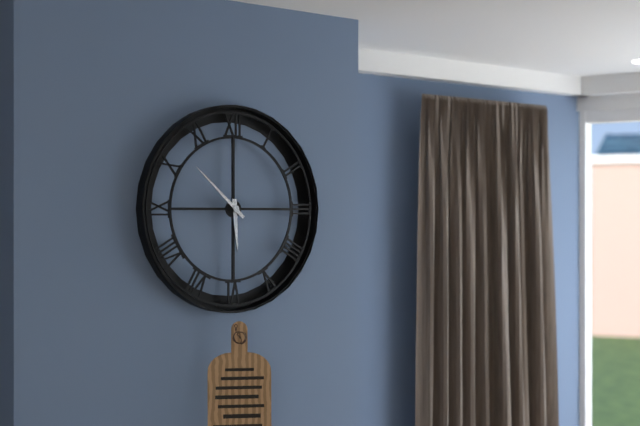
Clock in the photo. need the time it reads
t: 5:52
